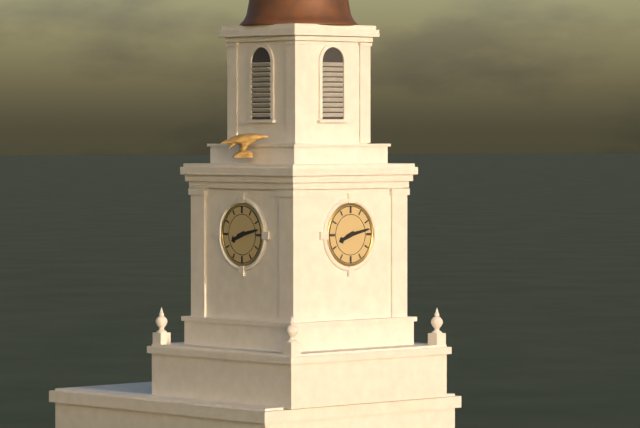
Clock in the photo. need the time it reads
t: 8:13
